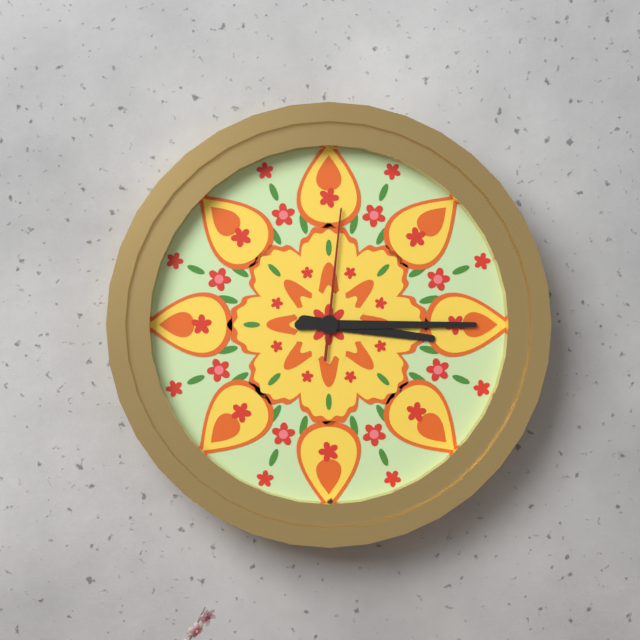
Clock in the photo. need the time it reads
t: 3:15:01
